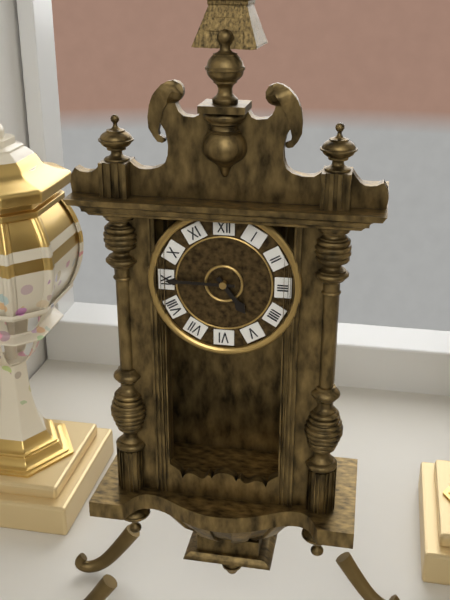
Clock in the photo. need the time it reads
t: 4:45
